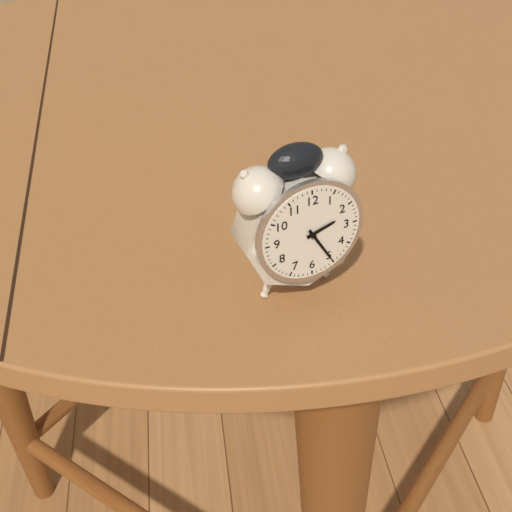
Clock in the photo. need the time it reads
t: 2:25
